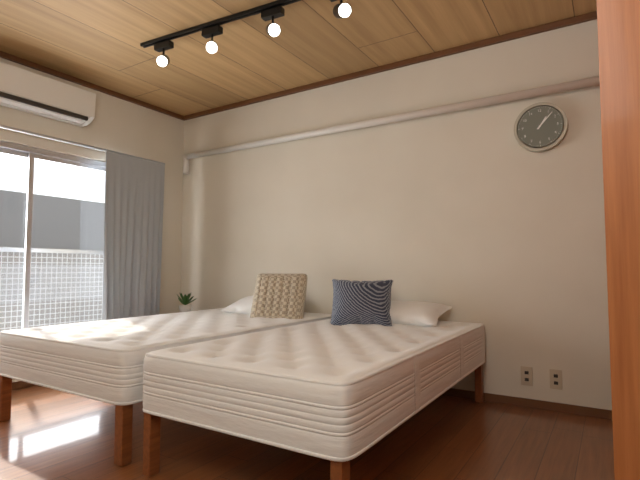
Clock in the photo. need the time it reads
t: 1:07
